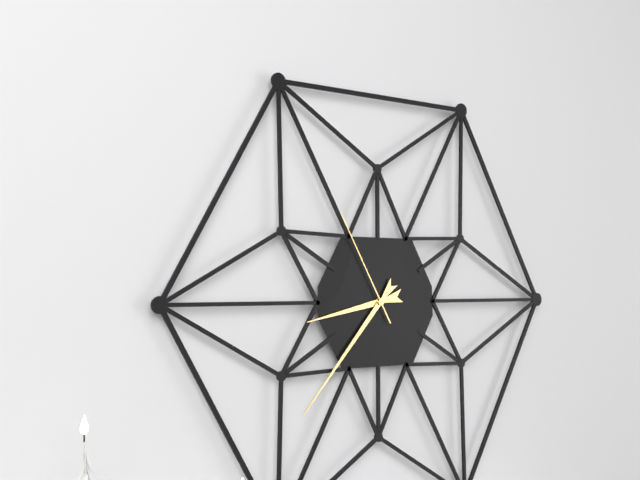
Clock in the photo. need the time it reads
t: 8:37:55
